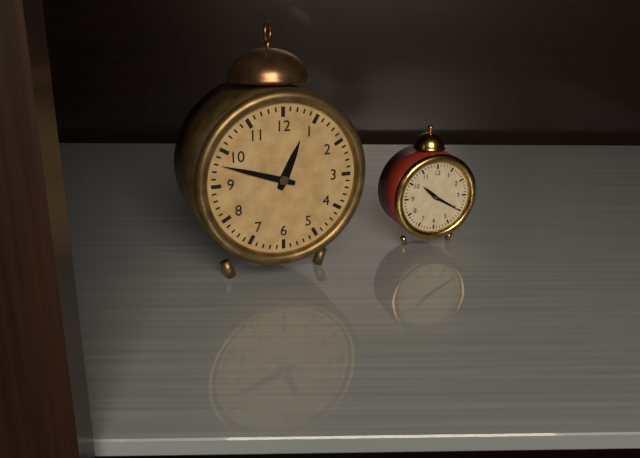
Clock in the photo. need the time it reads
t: 12:48
